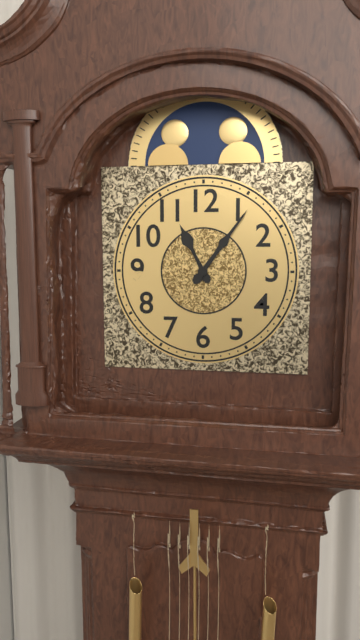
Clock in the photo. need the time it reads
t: 11:06
